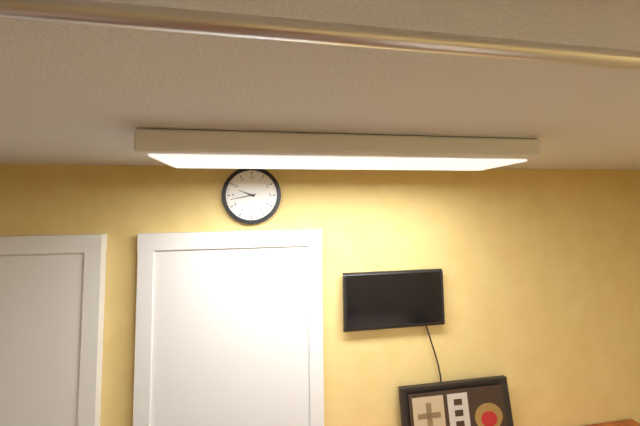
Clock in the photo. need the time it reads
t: 9:43
